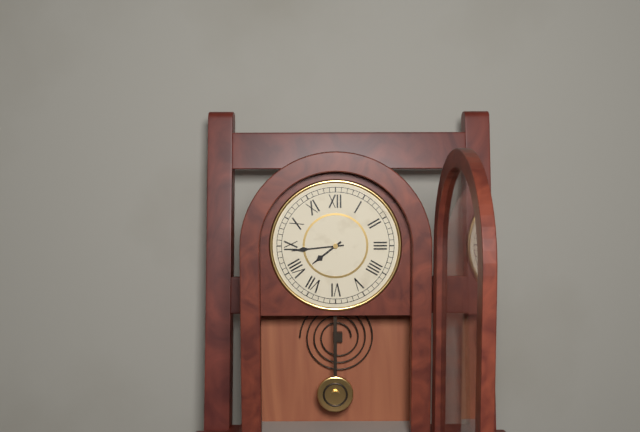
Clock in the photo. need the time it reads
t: 7:44
